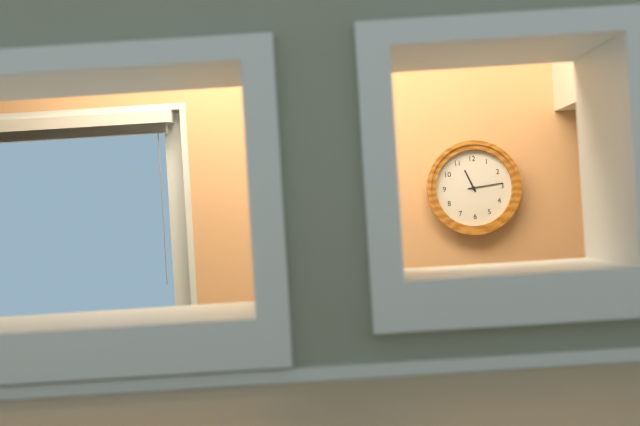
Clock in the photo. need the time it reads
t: 11:14
